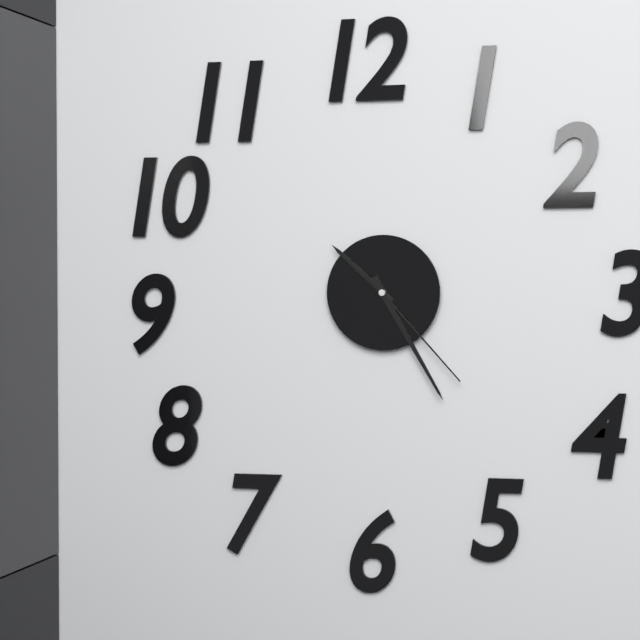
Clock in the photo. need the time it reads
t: 10:25:23
